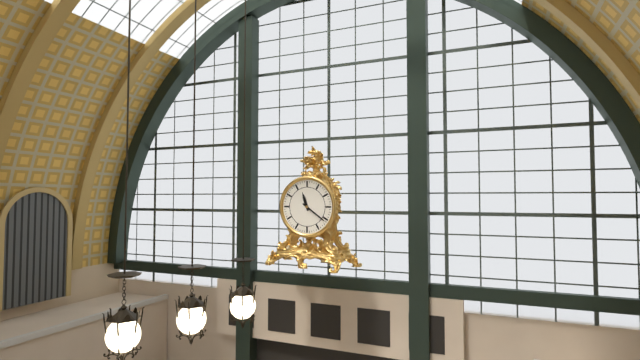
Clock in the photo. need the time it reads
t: 11:21
